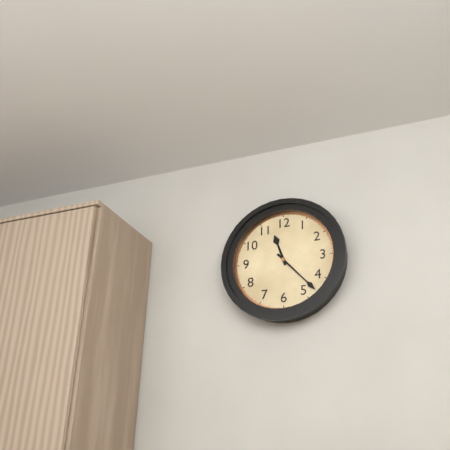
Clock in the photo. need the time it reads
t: 11:23
